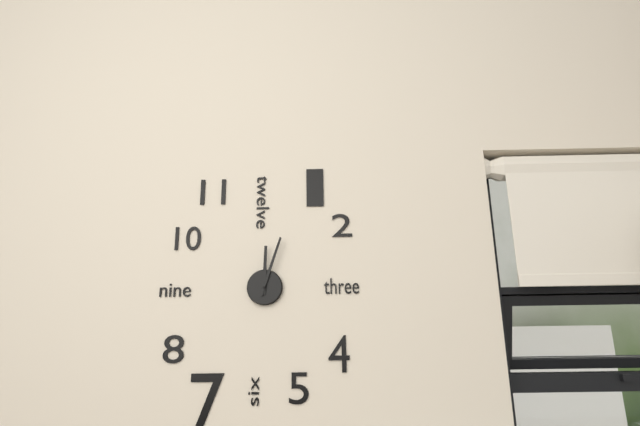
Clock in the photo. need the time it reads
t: 12:03
